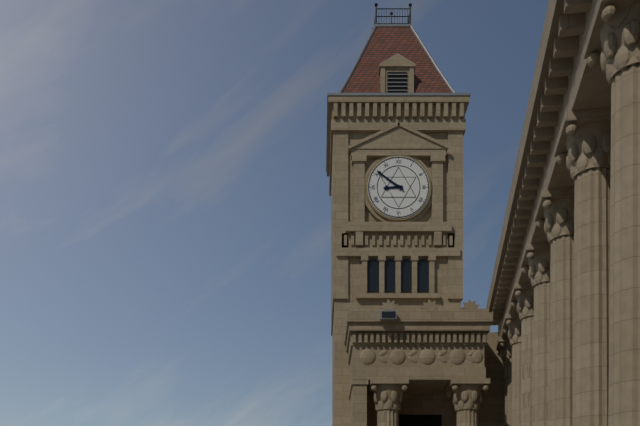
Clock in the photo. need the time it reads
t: 8:51
